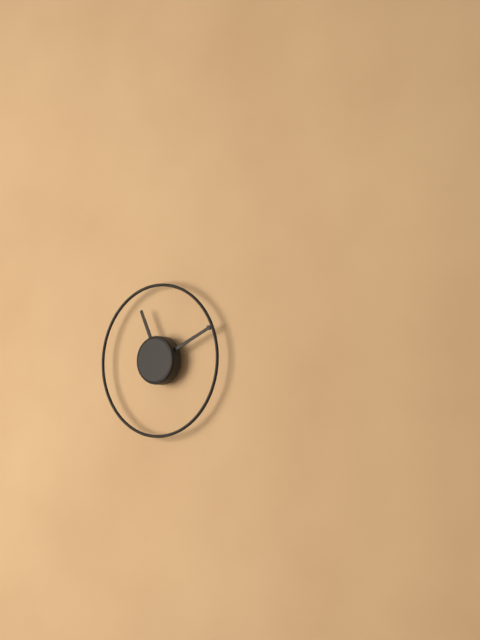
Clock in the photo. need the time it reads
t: 11:11
